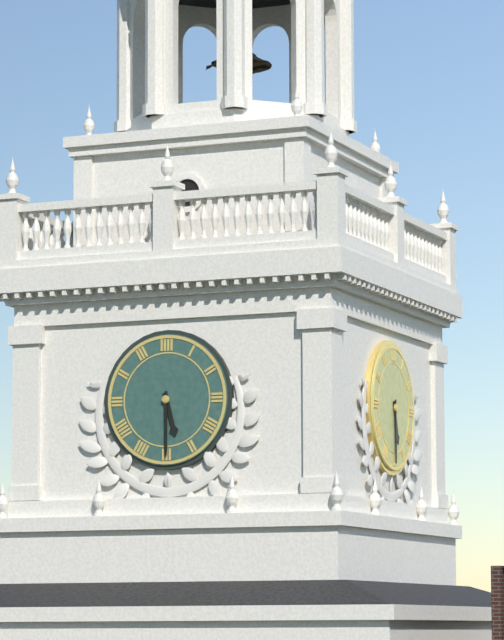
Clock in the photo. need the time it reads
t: 5:30
